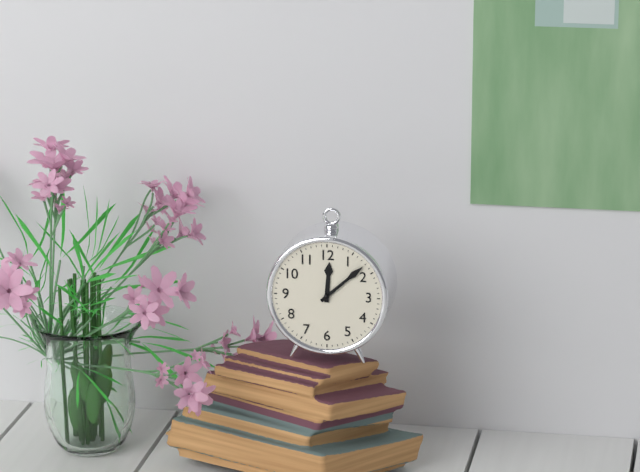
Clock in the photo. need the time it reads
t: 12:08
